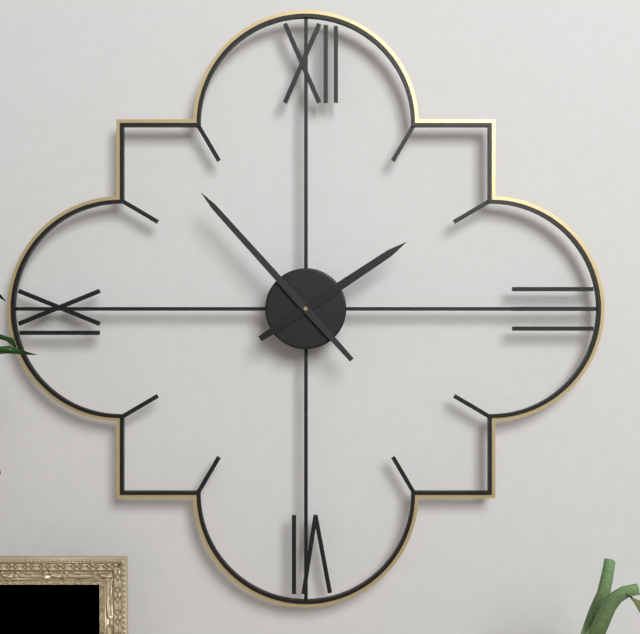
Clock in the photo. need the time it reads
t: 1:53
